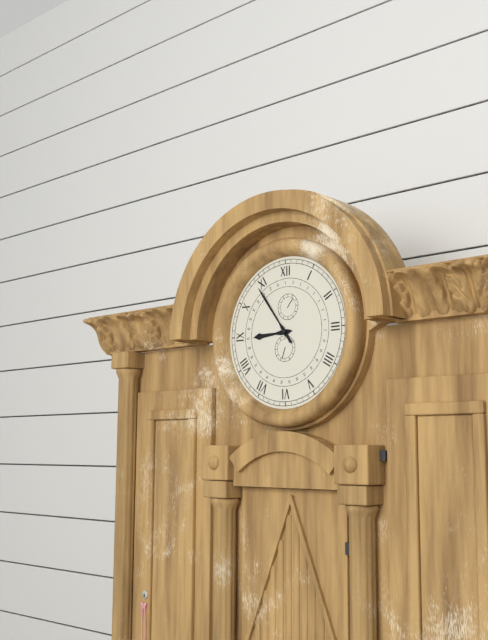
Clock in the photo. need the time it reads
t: 8:54
